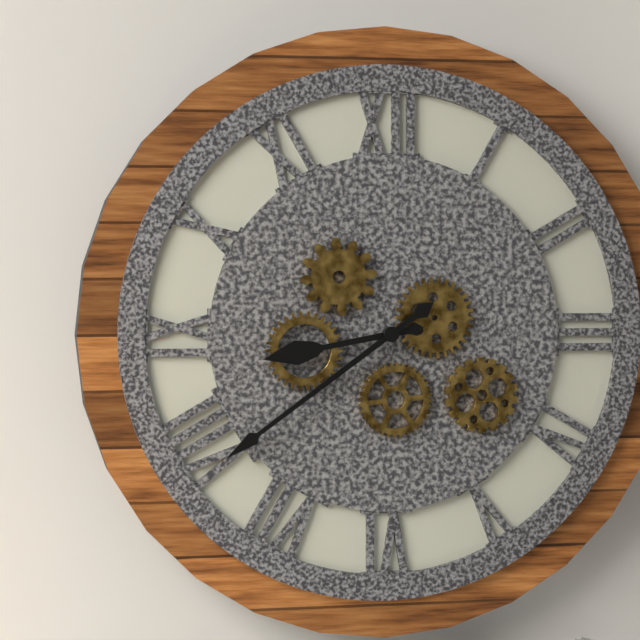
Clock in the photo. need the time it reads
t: 8:39
